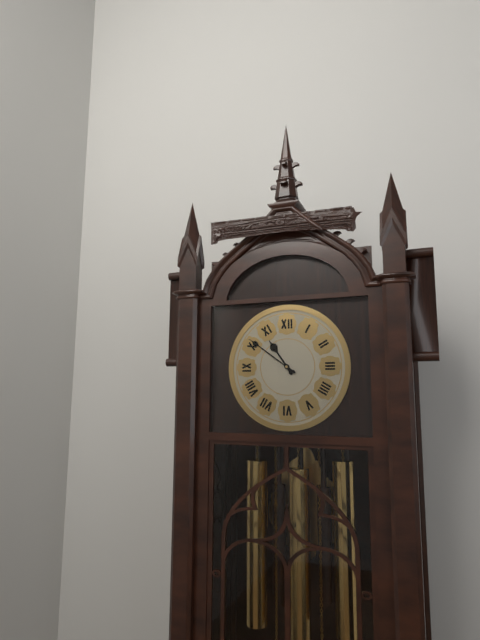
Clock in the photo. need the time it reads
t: 10:51
